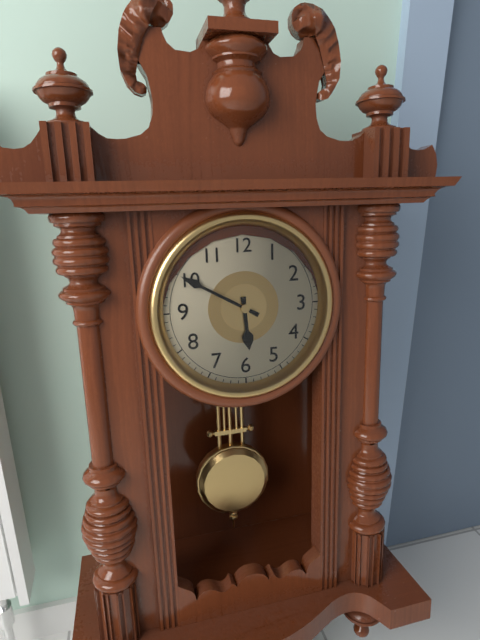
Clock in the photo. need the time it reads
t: 5:50
